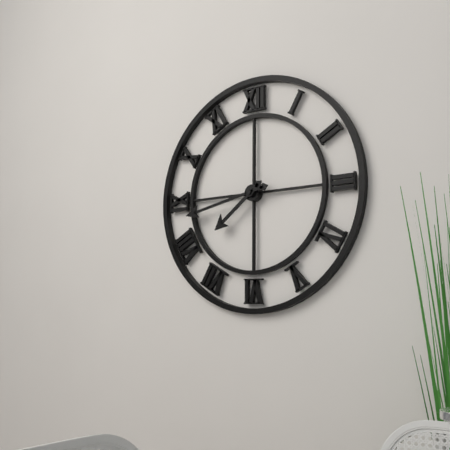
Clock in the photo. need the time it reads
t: 7:43
